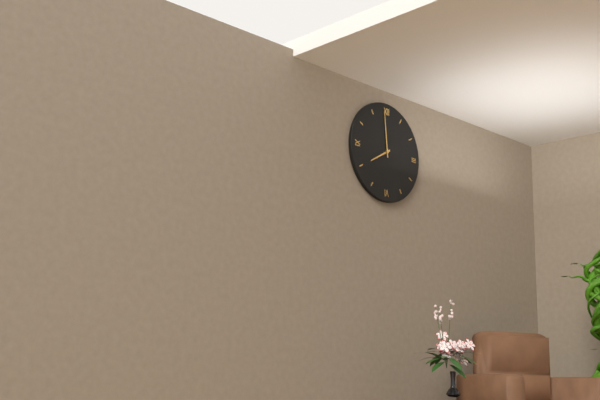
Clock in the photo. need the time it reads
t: 7:59
